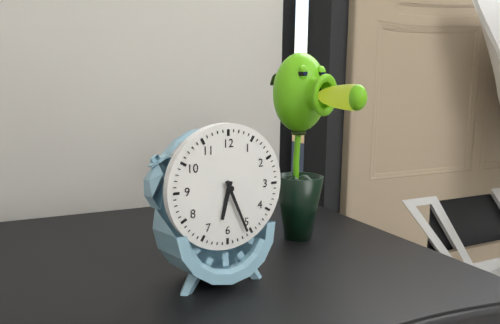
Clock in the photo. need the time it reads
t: 6:26
